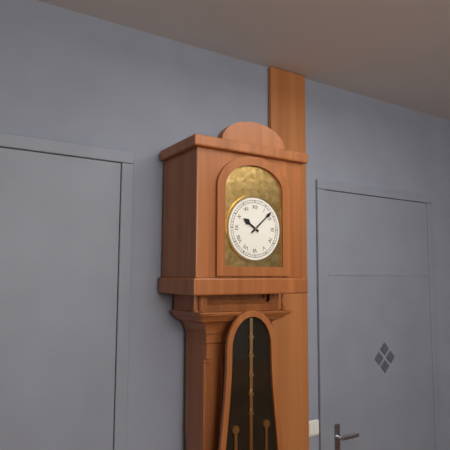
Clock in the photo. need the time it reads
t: 10:08
